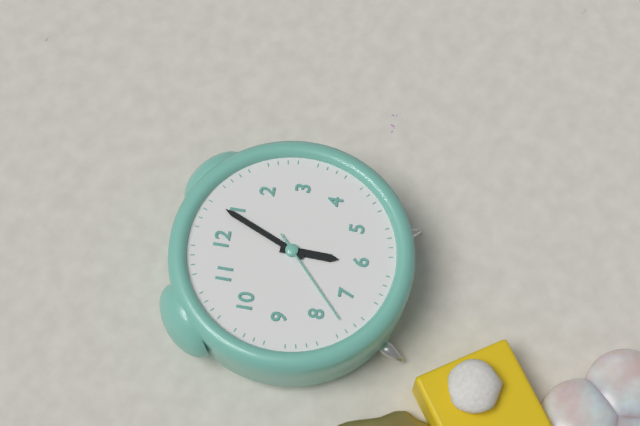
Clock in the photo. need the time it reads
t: 6:04:38
